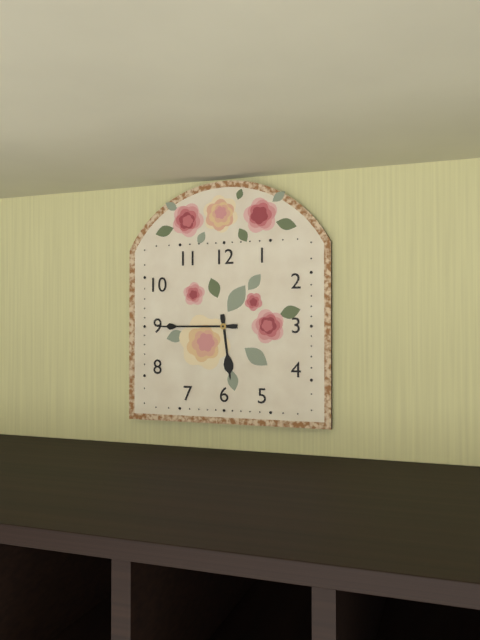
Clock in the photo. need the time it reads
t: 5:45
